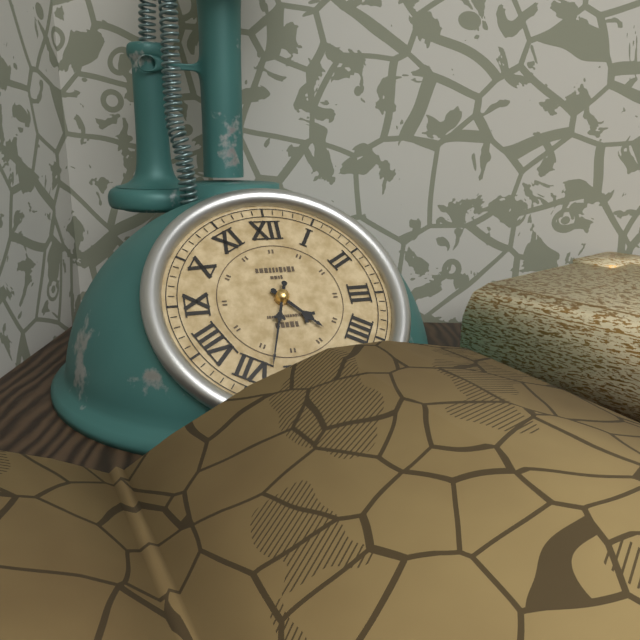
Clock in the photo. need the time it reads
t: 4:33
